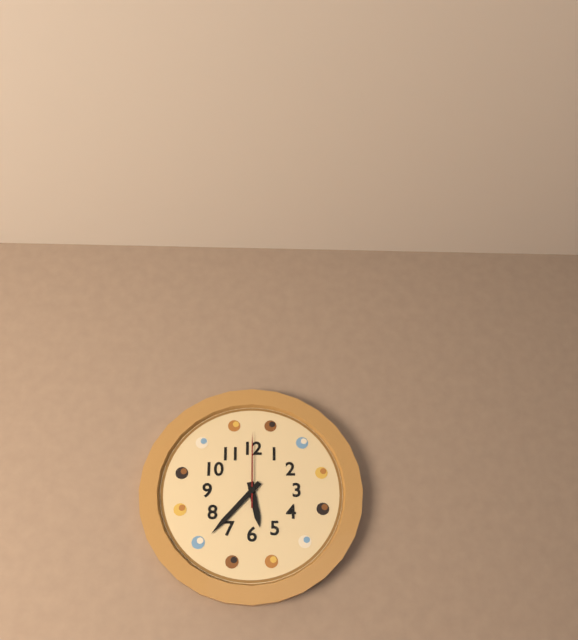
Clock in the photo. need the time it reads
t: 5:37:00
